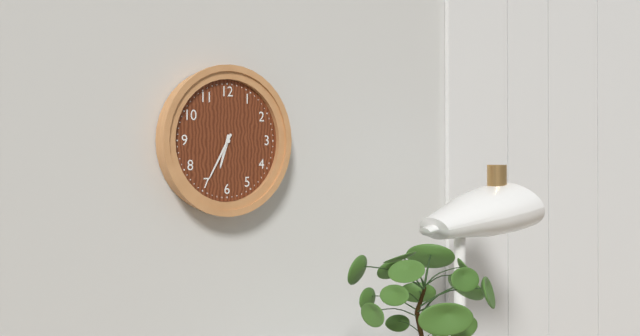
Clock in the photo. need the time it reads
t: 6:35
